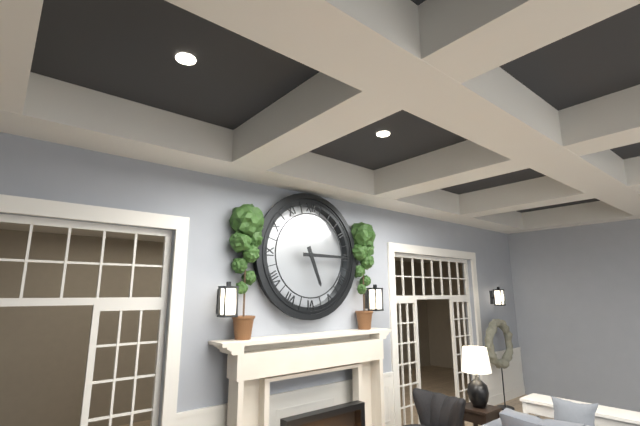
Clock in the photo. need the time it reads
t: 5:15
